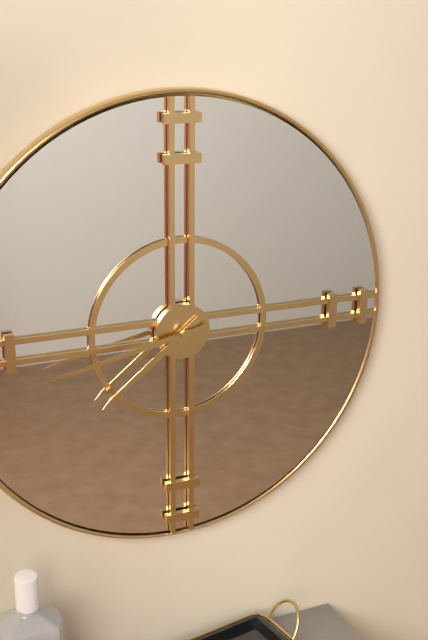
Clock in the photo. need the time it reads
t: 7:43
